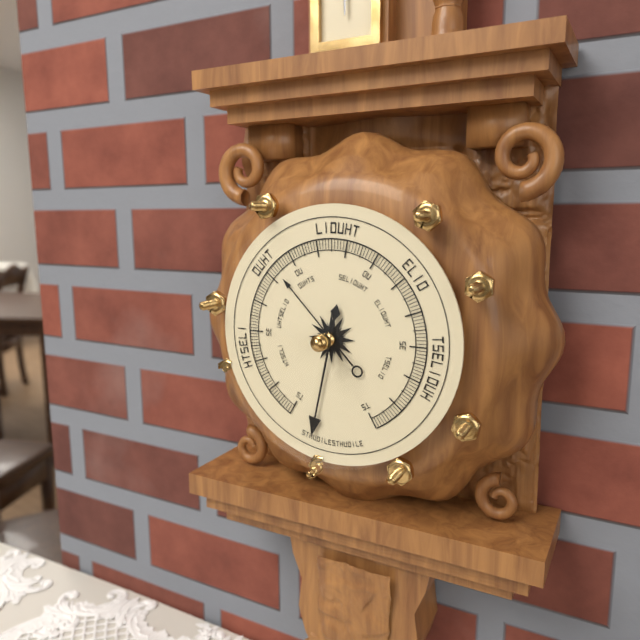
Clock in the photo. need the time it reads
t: 10:32
